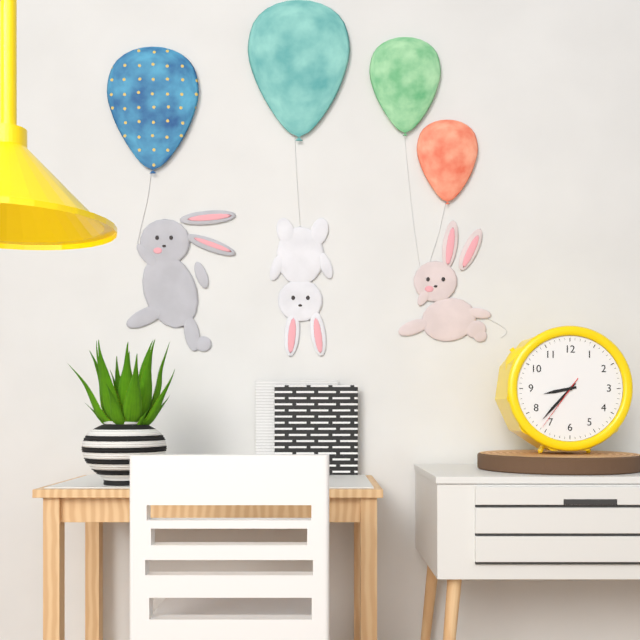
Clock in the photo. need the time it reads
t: 8:37:36
